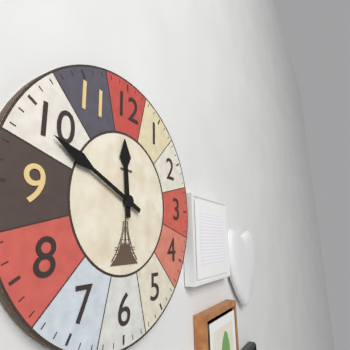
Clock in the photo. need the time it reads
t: 11:49
